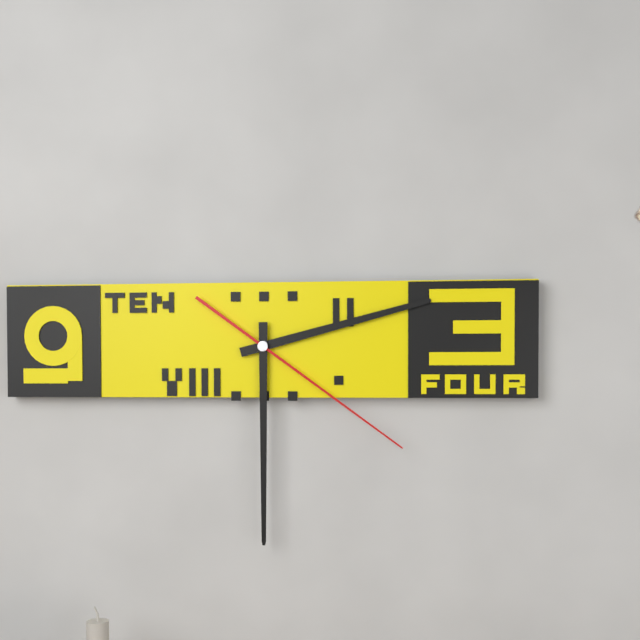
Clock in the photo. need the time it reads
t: 2:30:21
